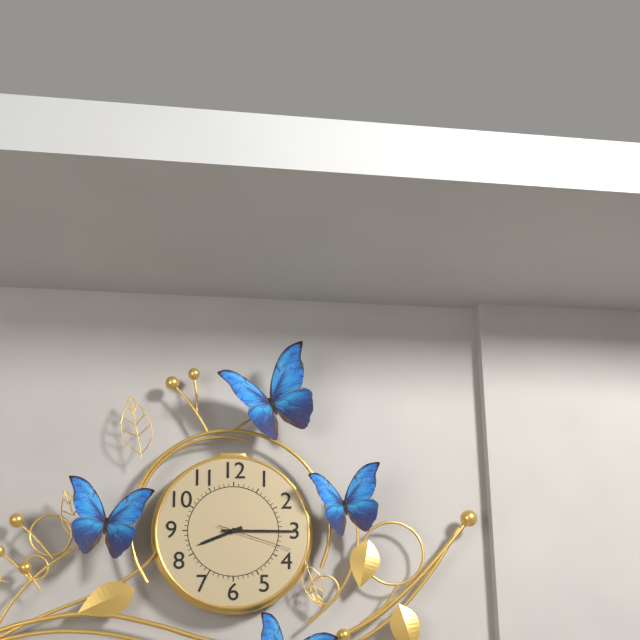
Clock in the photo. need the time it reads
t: 8:15:18
